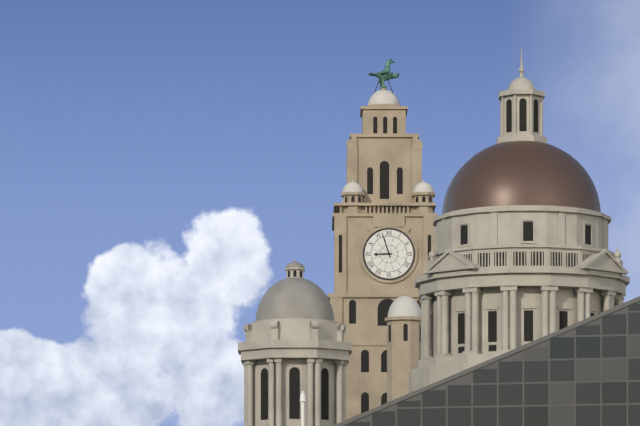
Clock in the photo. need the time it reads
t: 8:57
